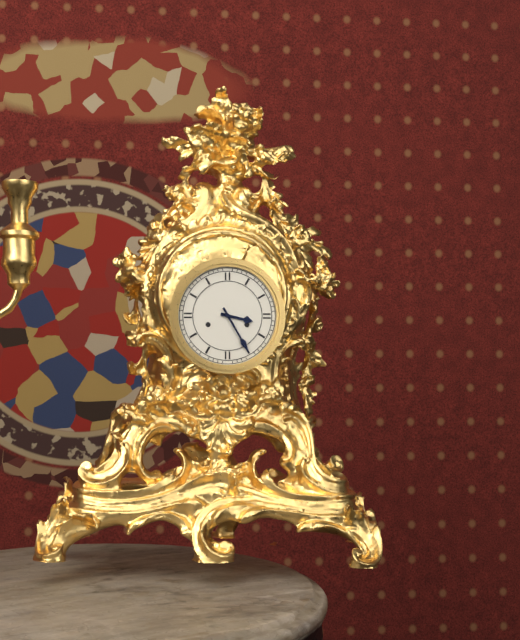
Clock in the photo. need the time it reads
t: 3:25
